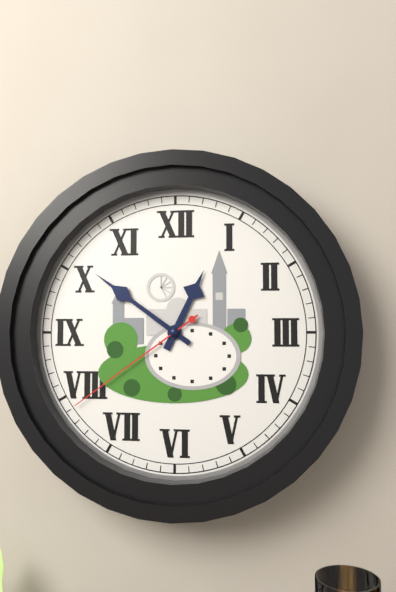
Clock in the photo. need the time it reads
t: 12:51:39
